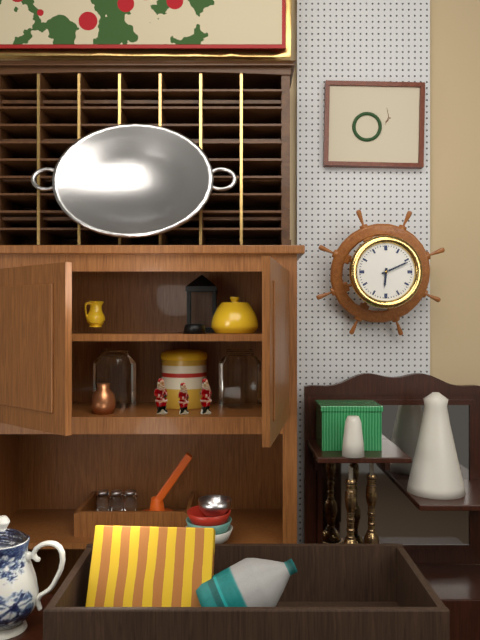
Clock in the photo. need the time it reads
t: 6:11
